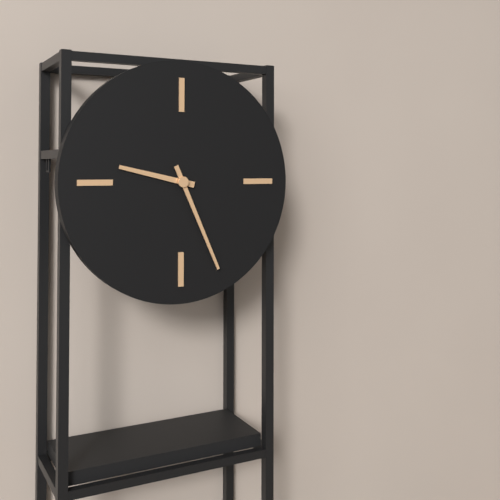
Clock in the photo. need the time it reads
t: 9:26
